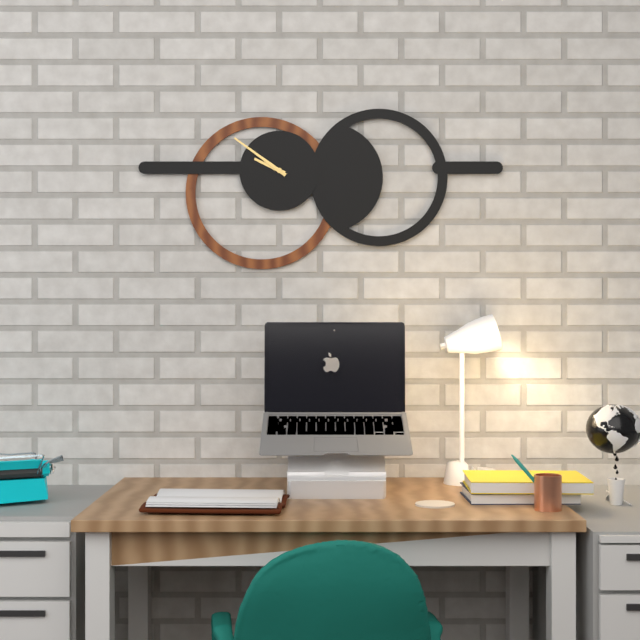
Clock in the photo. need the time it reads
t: 9:51
